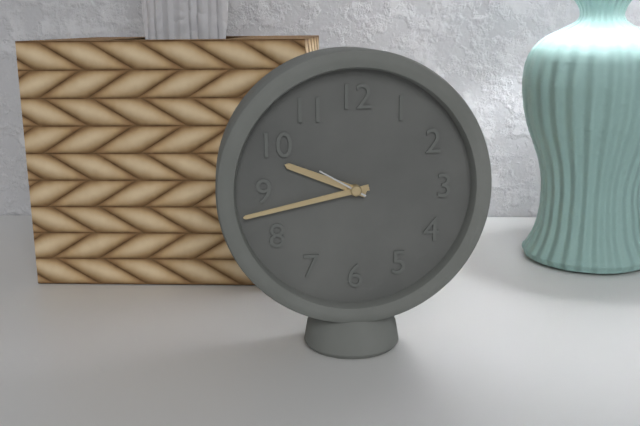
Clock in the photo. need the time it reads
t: 9:43:50
